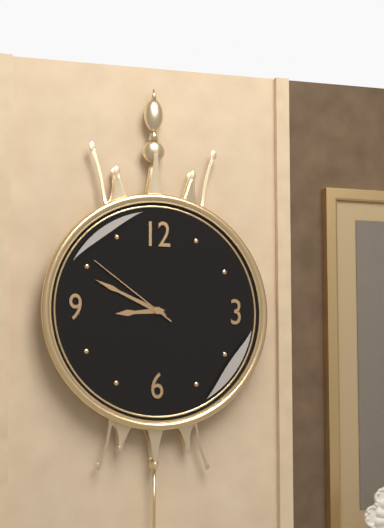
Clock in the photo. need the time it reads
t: 8:49:51
